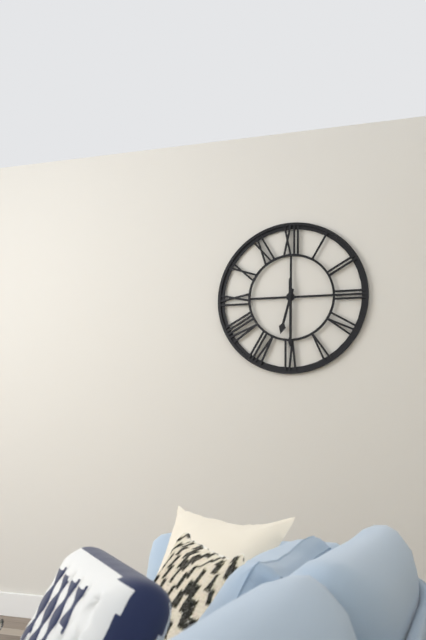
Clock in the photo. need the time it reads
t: 6:30
